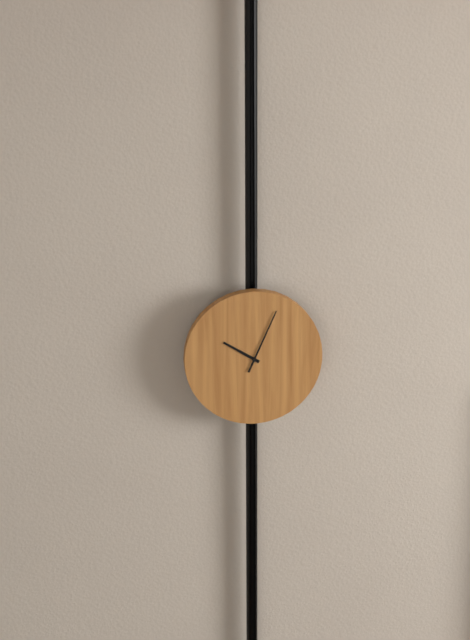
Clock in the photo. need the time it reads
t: 10:04
